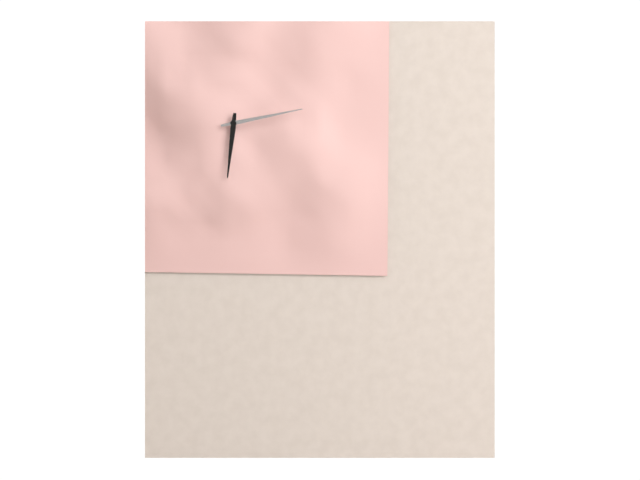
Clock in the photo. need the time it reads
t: 6:13
